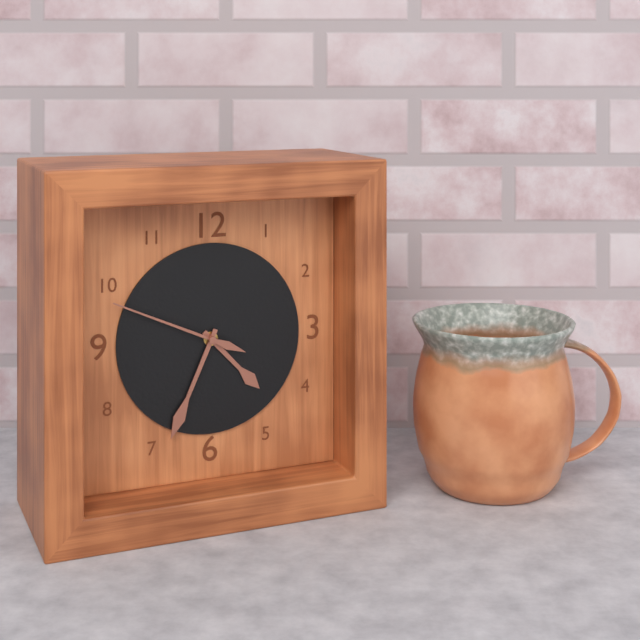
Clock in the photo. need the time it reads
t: 4:34:49
